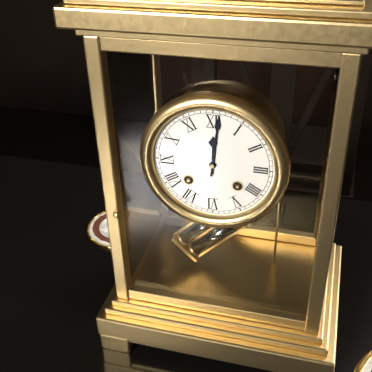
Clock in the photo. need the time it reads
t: 12:01
